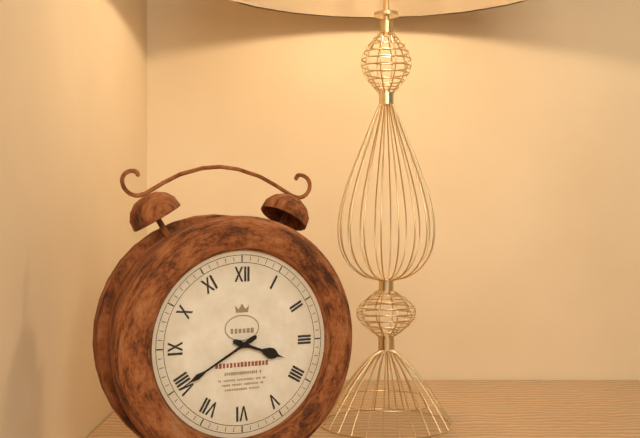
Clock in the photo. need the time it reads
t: 3:40
